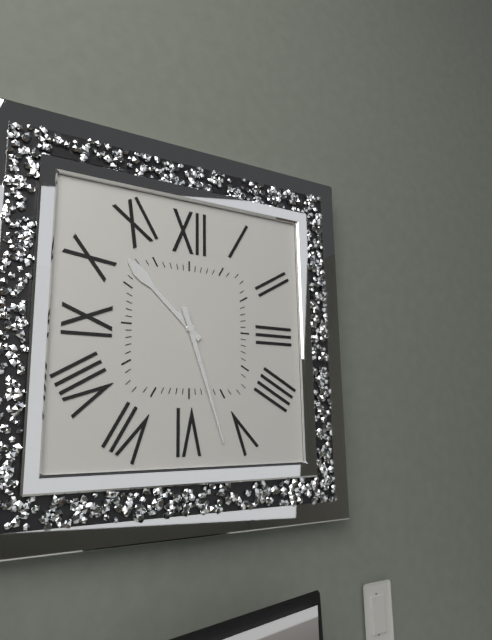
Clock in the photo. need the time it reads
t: 10:27
